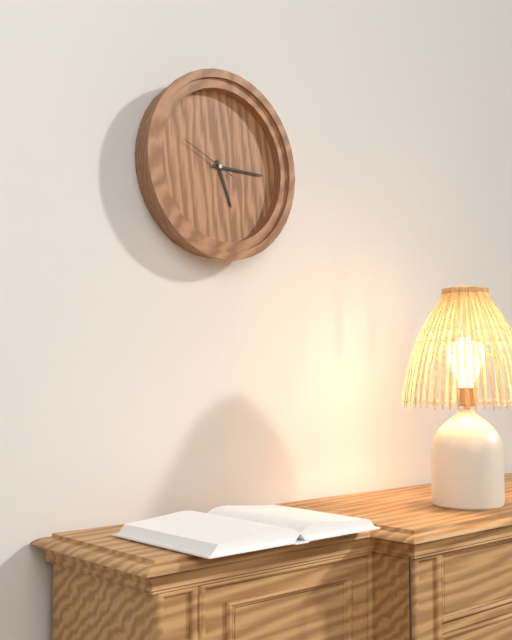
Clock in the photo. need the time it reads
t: 5:15:49
